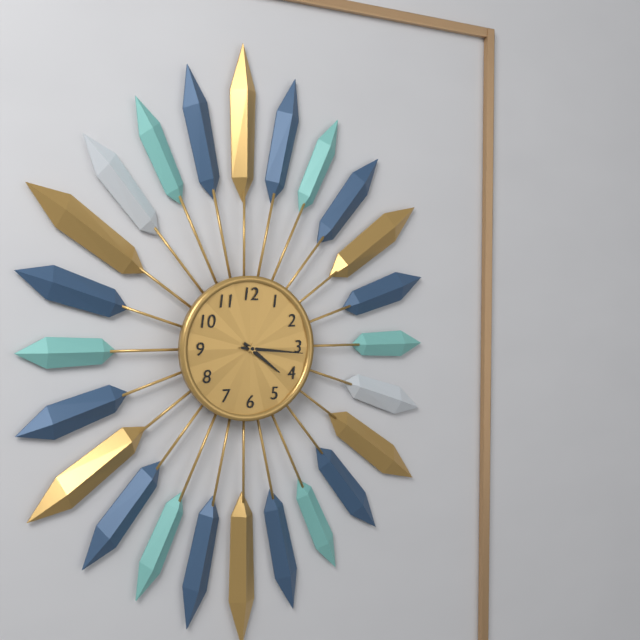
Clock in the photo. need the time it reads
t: 4:16
